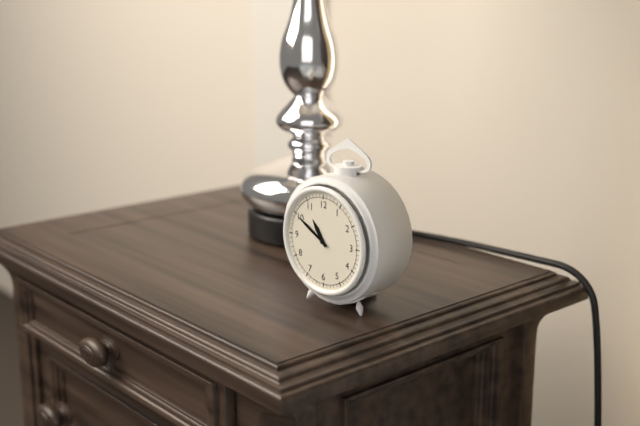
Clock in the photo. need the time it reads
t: 10:50
